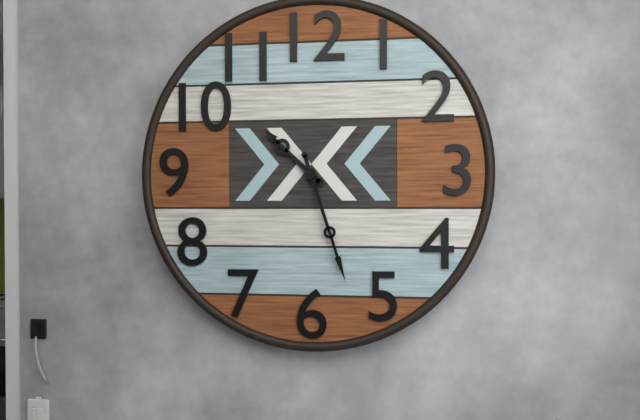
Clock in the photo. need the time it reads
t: 10:27
